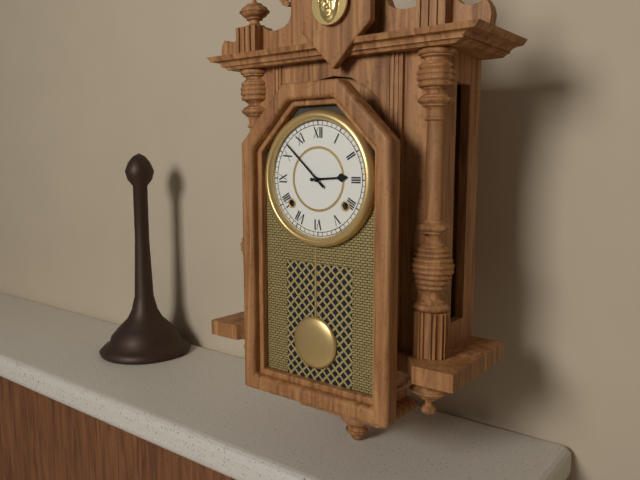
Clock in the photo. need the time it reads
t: 2:52
